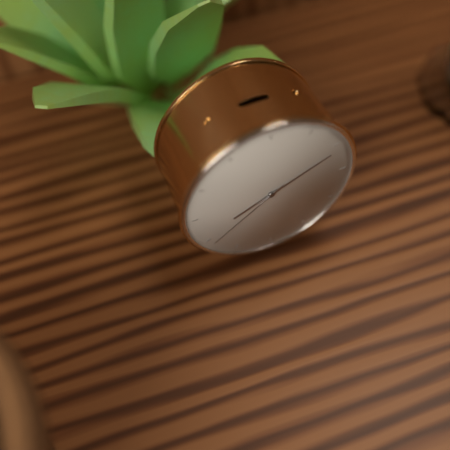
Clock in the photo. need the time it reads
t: 8:11:39
